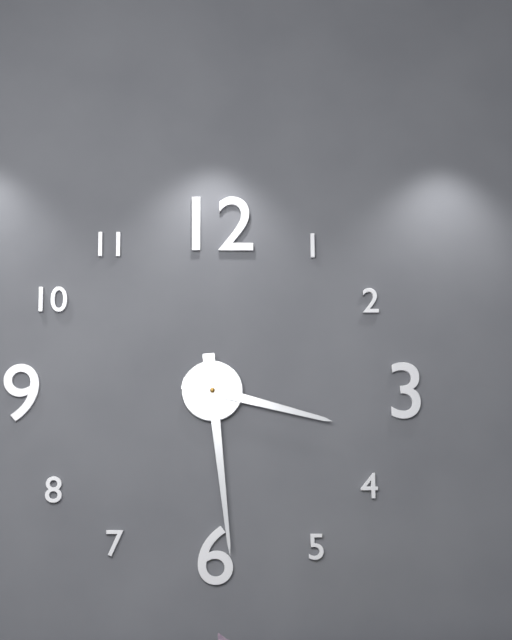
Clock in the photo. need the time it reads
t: 3:29
